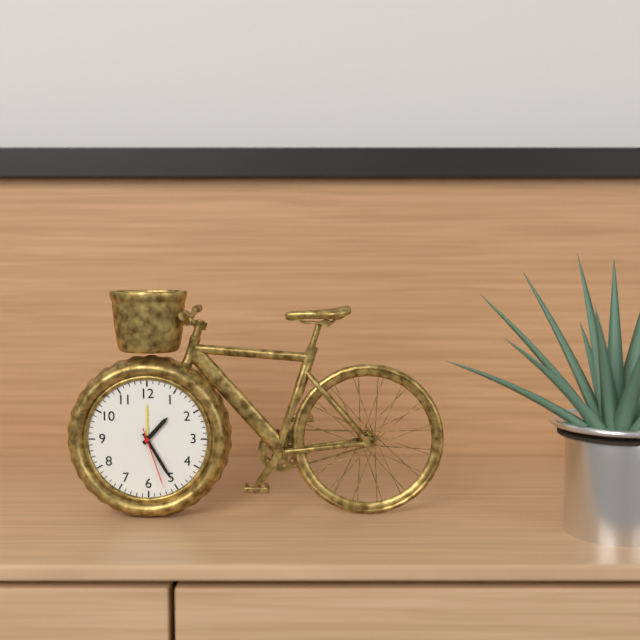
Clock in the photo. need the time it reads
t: 1:25:27
